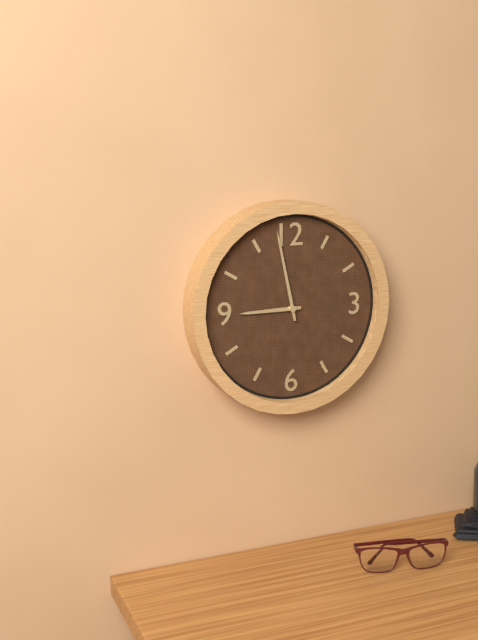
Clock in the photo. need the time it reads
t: 8:58
